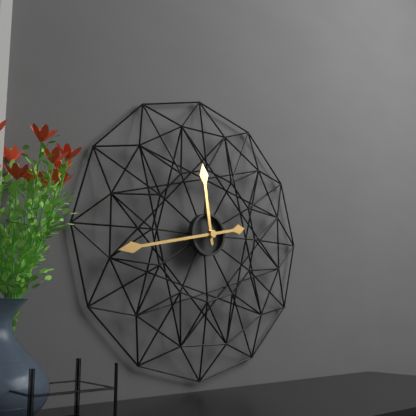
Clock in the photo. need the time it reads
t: 11:43
